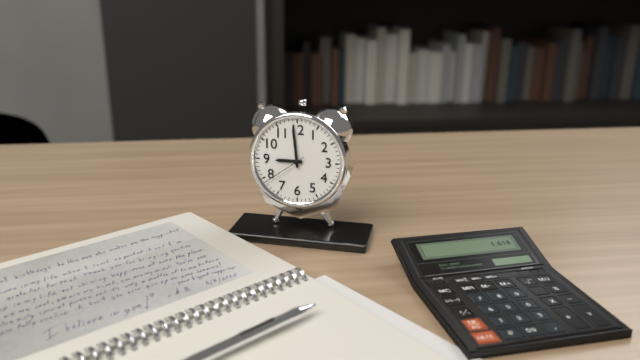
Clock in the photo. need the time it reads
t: 8:59
